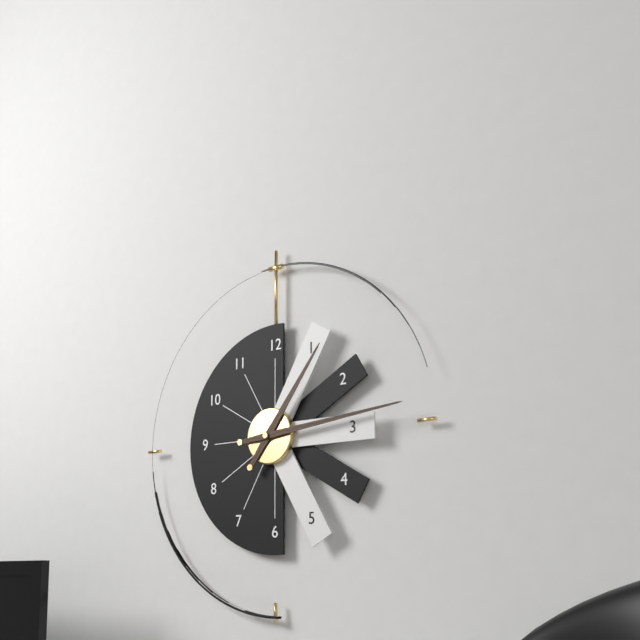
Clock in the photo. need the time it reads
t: 1:14
